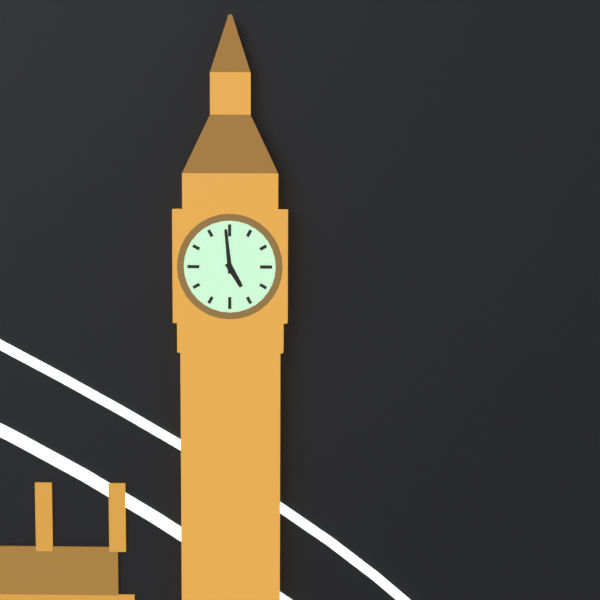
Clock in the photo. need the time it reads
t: 4:59
